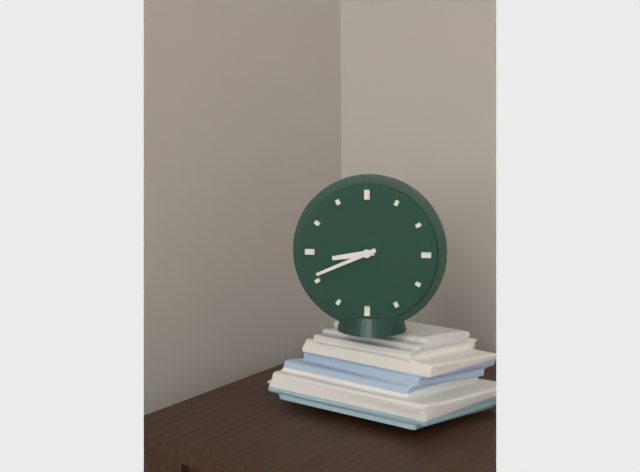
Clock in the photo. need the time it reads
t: 8:41
